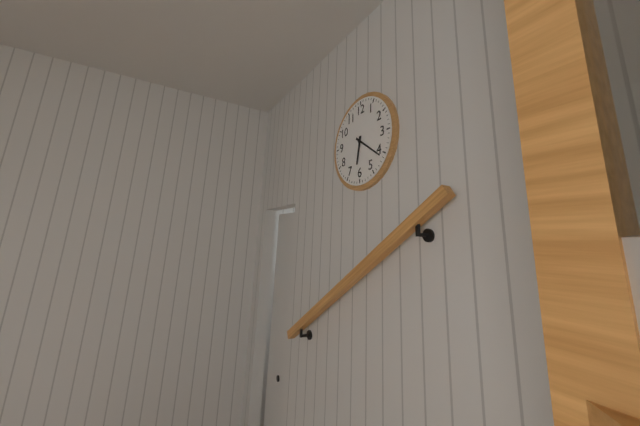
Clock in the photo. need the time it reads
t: 6:21
